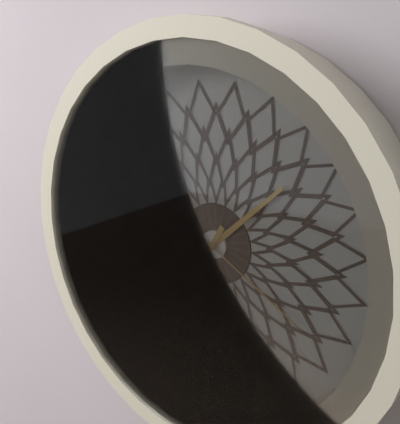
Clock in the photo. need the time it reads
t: 1:35:20
